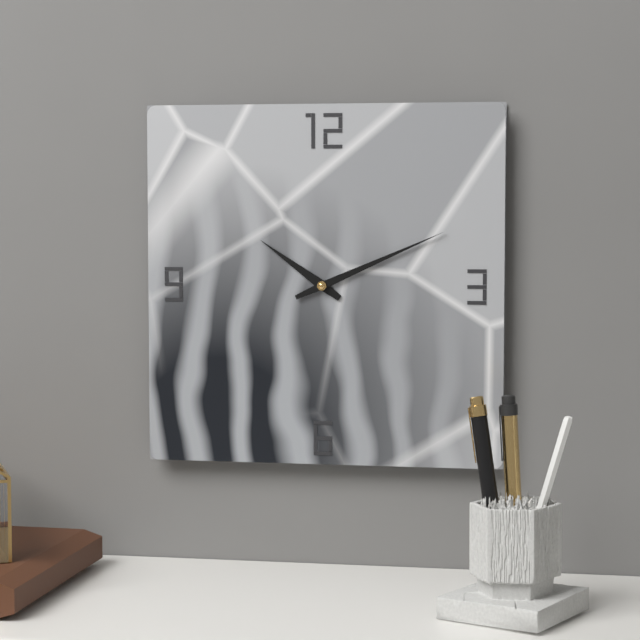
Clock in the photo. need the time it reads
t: 10:11
